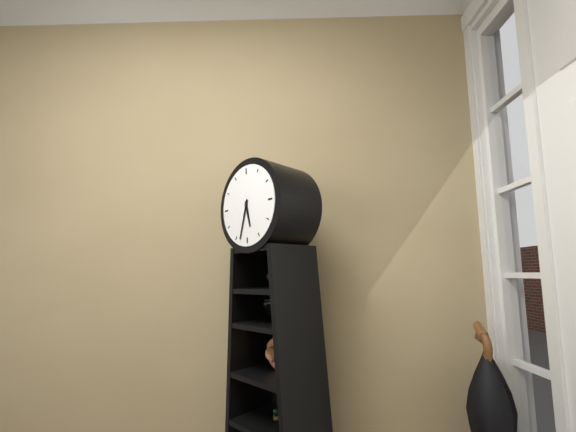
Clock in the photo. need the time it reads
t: 5:33
